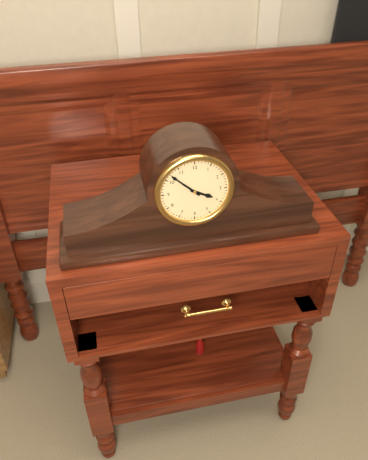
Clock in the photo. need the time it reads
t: 3:52
